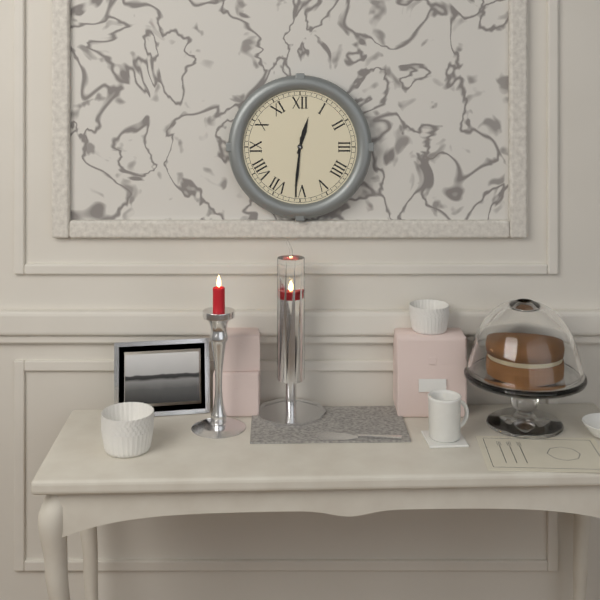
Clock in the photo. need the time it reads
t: 12:31
